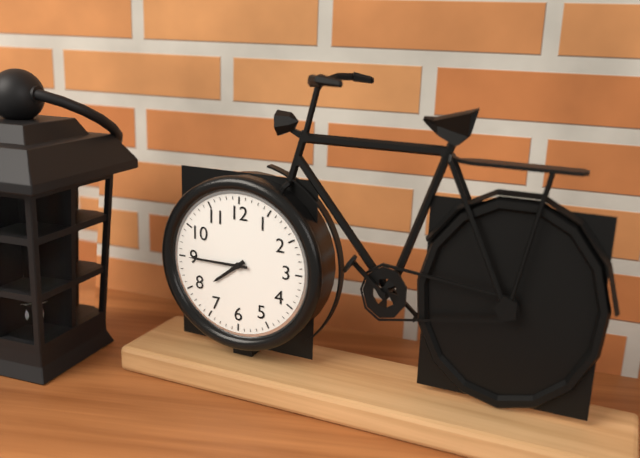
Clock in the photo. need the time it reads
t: 7:45
